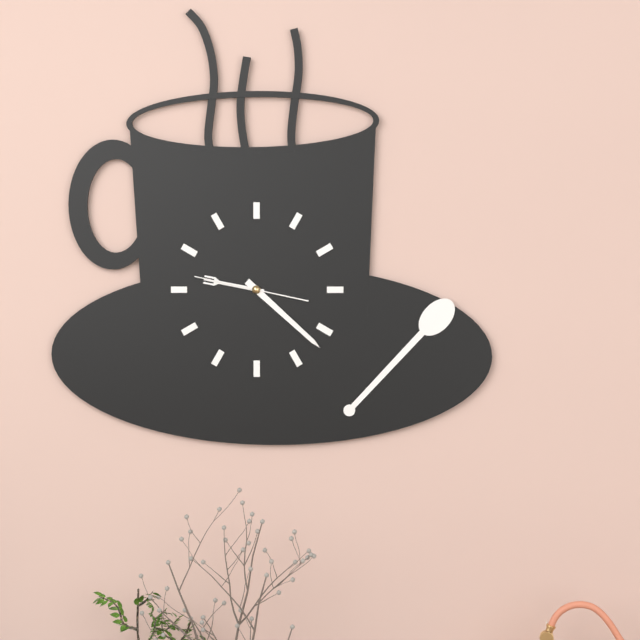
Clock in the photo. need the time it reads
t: 9:22:47
